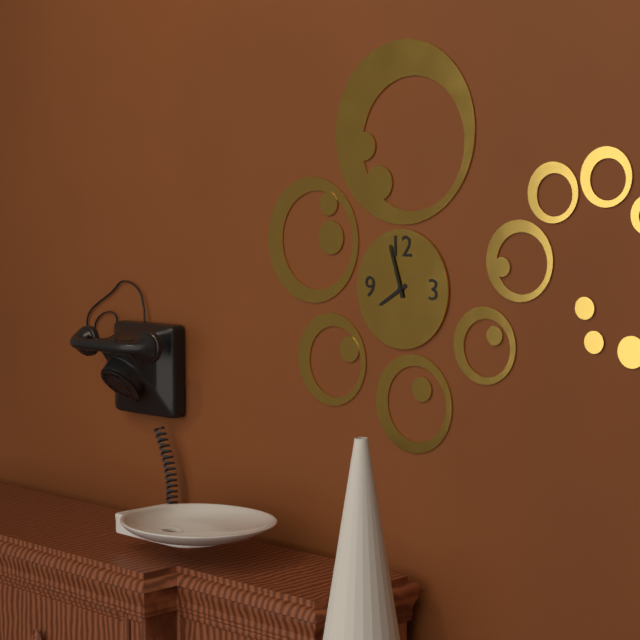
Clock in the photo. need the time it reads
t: 7:57
